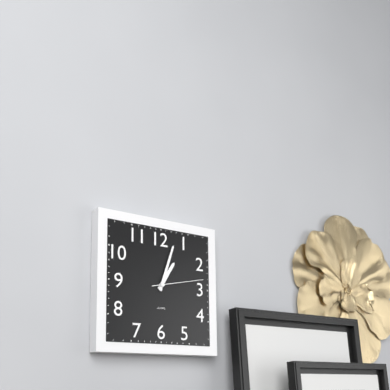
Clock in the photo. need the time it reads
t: 1:03:13
